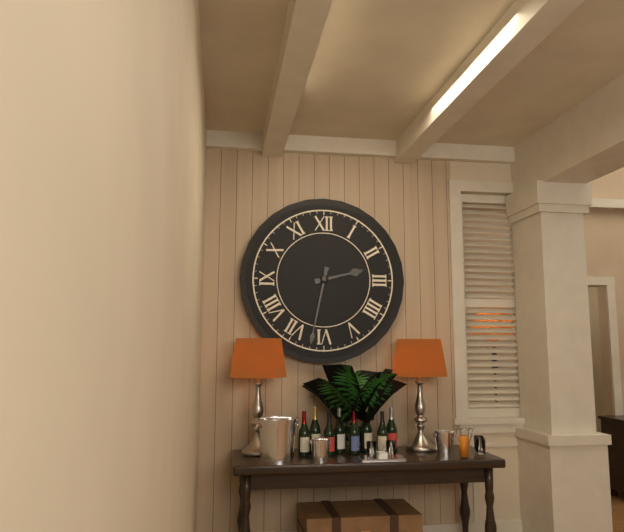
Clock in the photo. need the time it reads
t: 2:32
